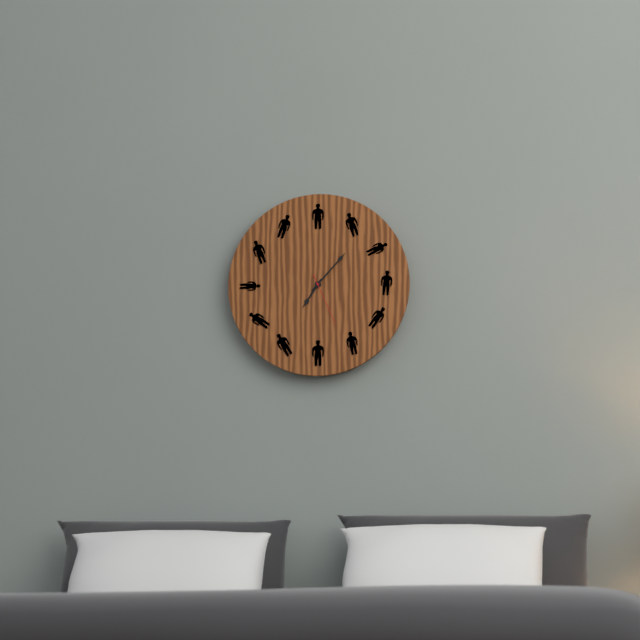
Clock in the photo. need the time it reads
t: 7:07:26
